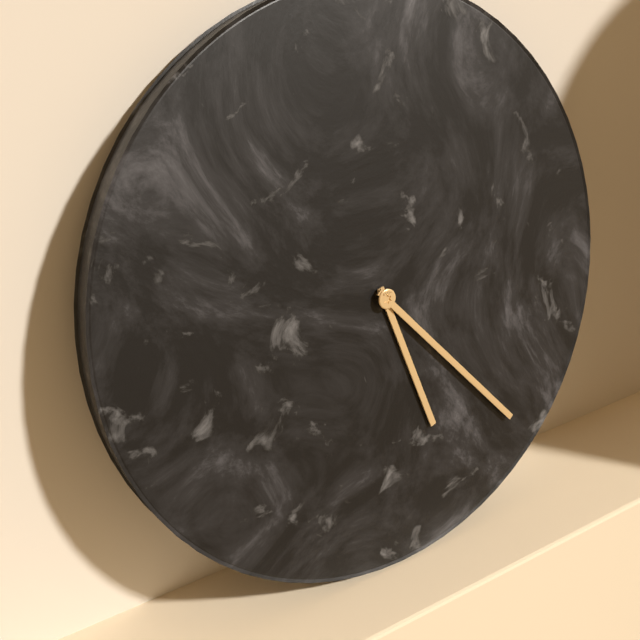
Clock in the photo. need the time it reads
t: 5:23
